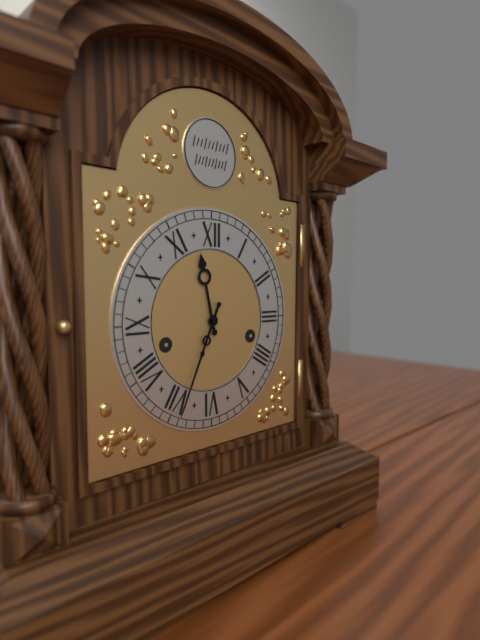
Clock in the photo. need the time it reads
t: 11:34
